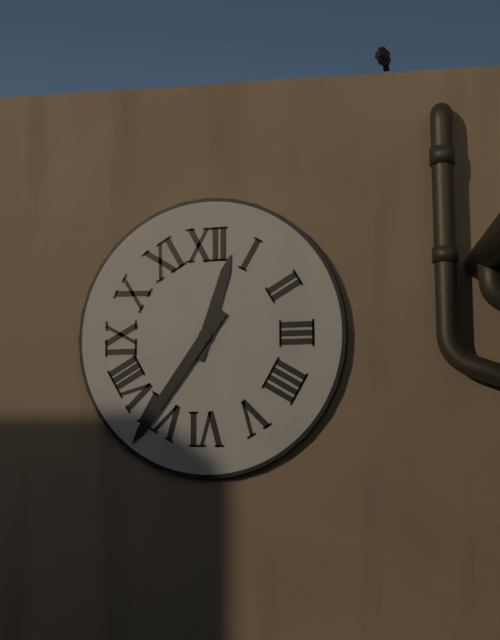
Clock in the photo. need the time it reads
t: 12:36
